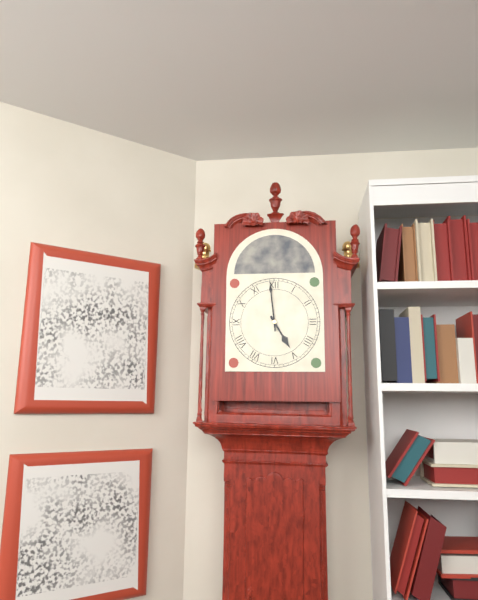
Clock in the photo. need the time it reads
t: 4:59
